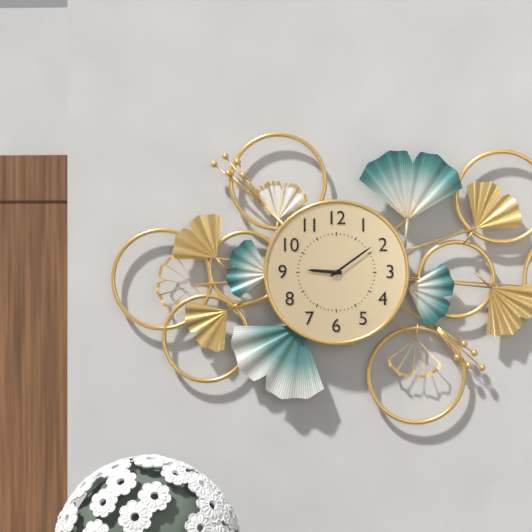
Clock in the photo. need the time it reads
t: 9:09
